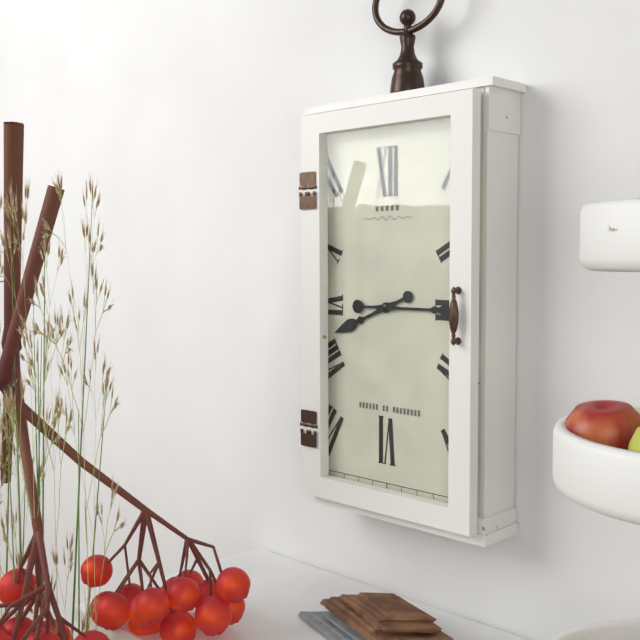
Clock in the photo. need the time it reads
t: 8:15
